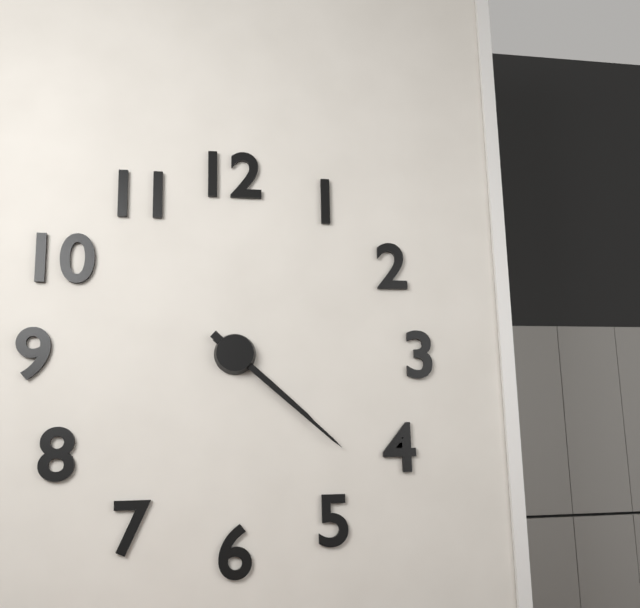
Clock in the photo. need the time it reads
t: 4:22
